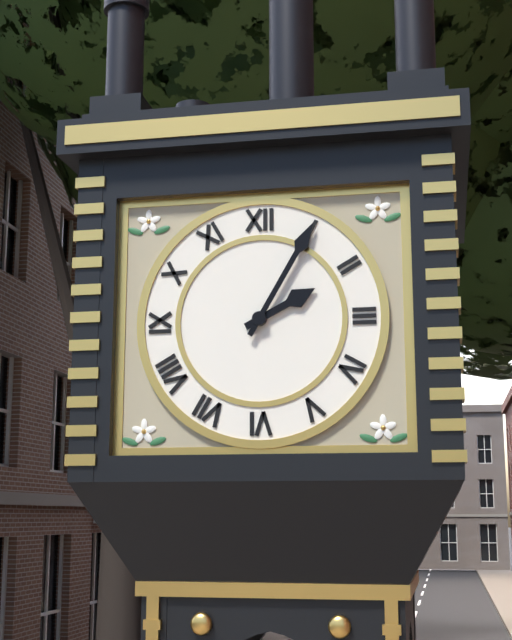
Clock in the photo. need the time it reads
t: 2:05
